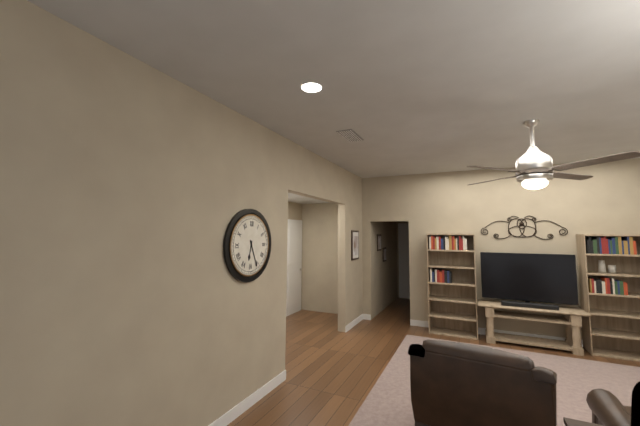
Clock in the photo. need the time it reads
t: 6:26
